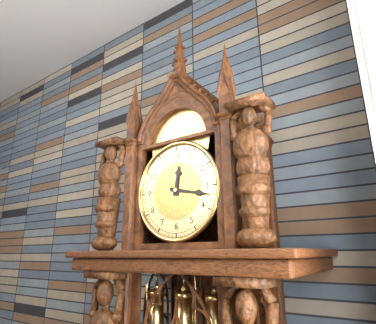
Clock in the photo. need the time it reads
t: 12:17
